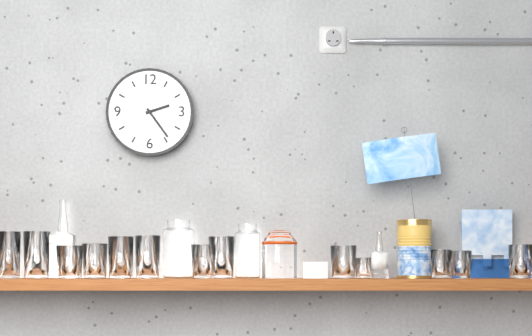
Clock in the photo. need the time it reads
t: 2:24
